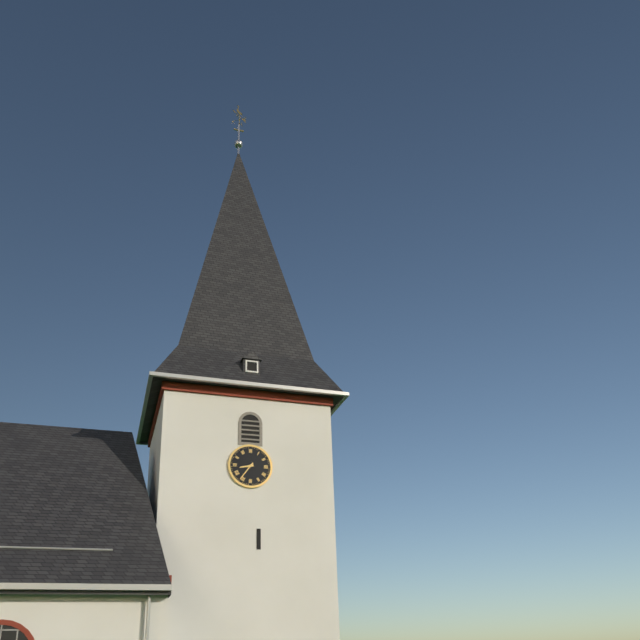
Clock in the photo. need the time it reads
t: 8:36
